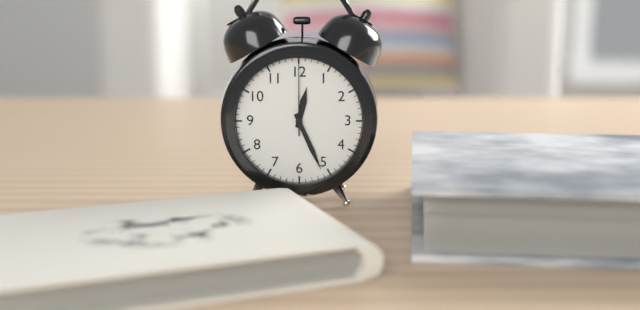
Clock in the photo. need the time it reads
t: 12:26:00
